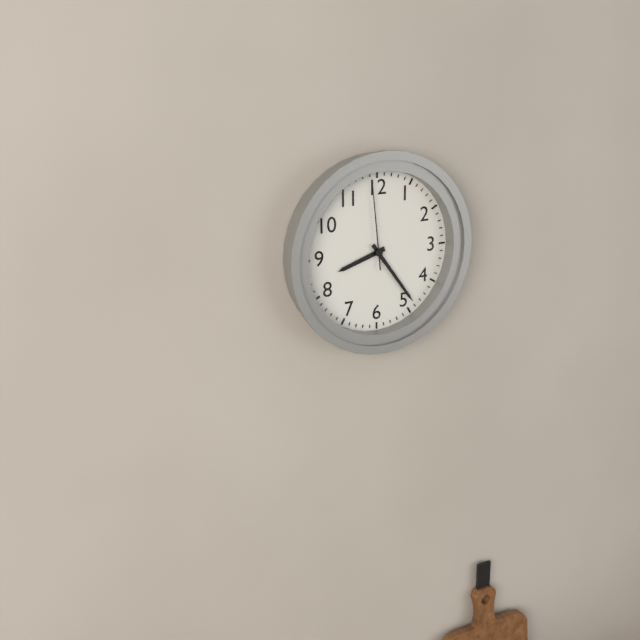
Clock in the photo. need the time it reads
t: 8:24:59
